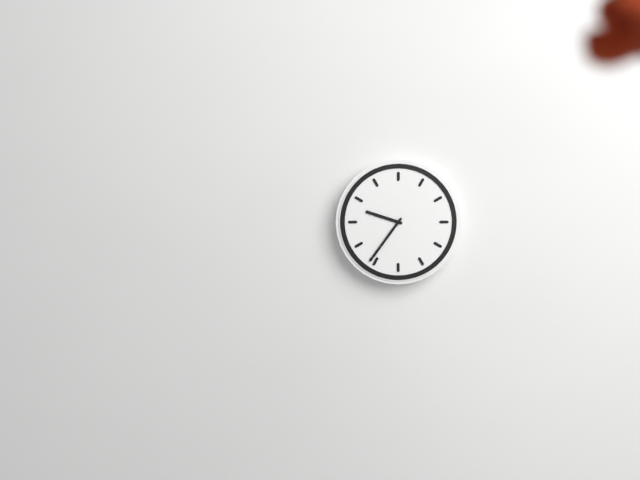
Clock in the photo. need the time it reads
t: 9:36
